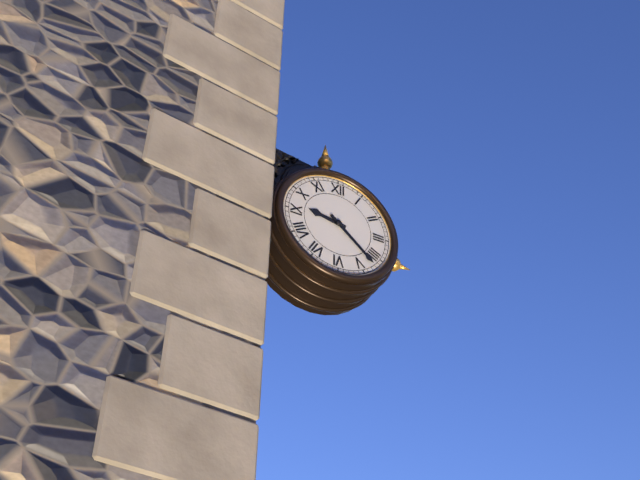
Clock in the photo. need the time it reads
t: 9:22
